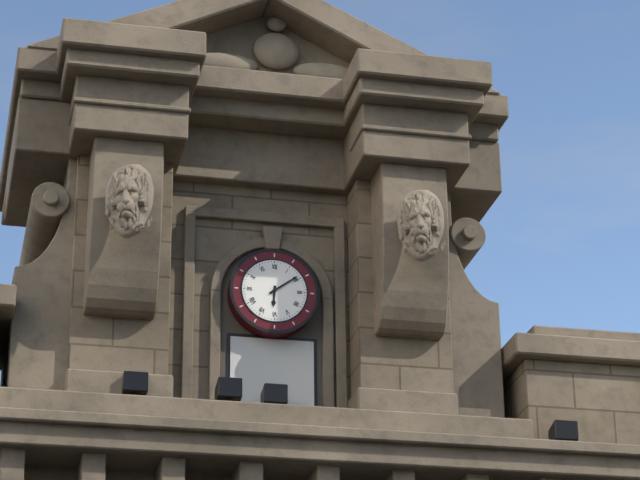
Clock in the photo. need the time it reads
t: 6:09
